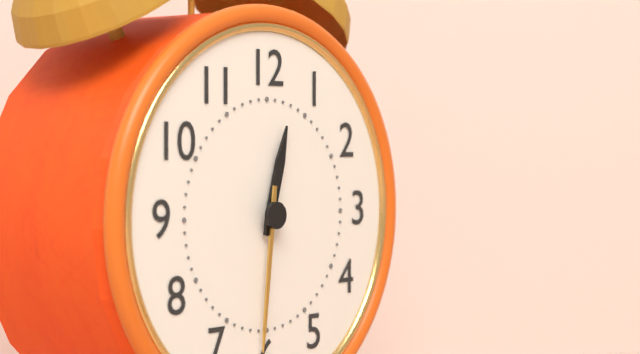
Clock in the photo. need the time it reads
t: 12:31
